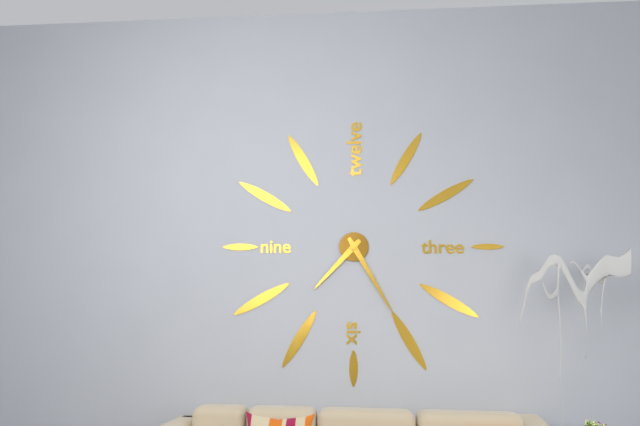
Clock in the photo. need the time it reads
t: 7:25
